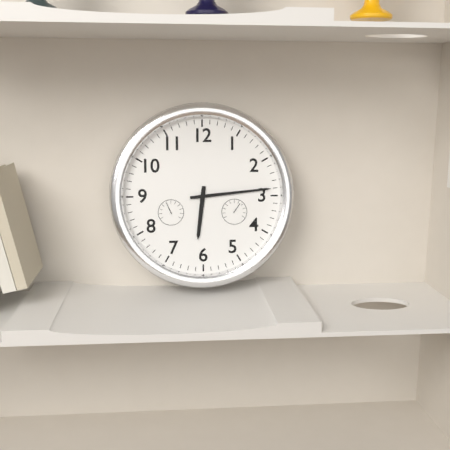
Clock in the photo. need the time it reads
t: 6:14
